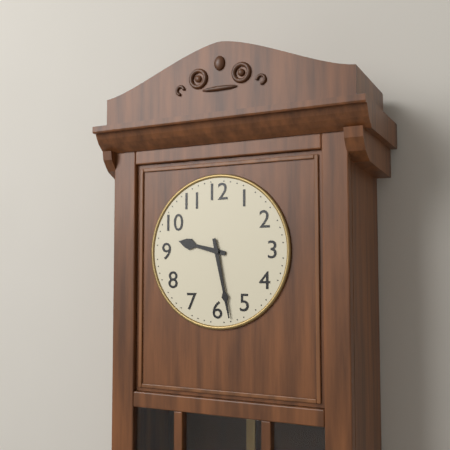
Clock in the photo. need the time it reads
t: 9:28
